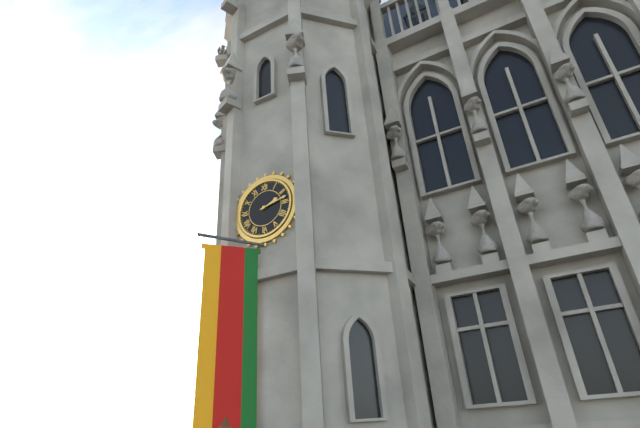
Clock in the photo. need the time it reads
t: 2:13
